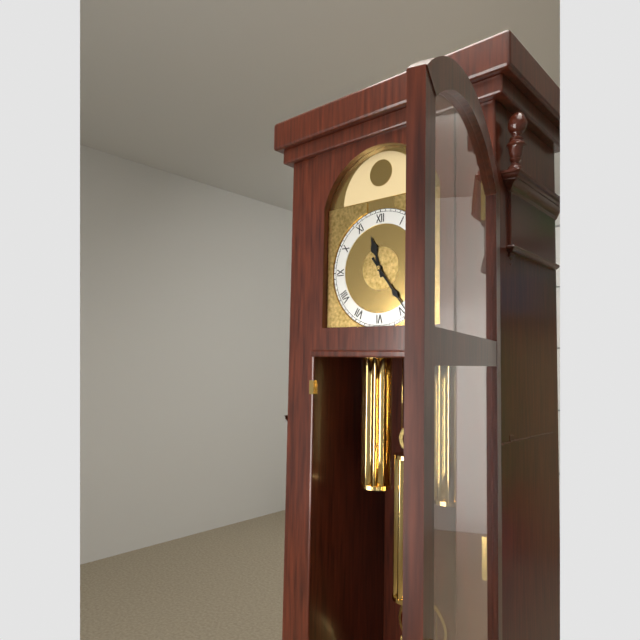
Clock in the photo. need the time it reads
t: 11:24
